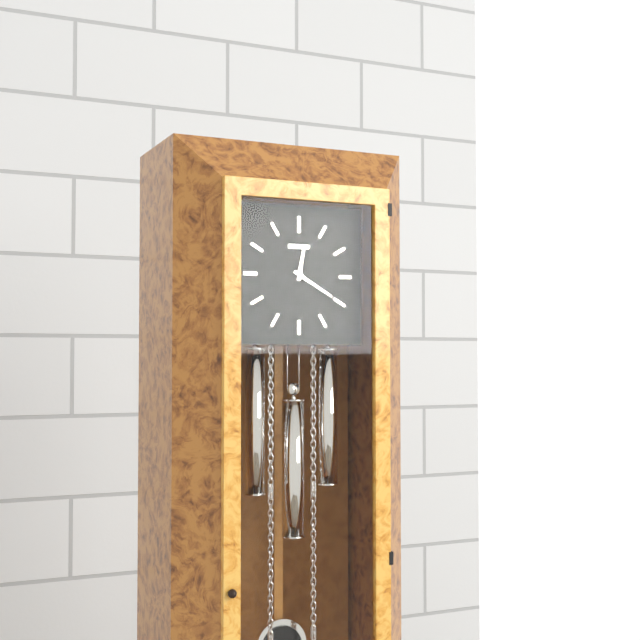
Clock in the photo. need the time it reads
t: 12:20
